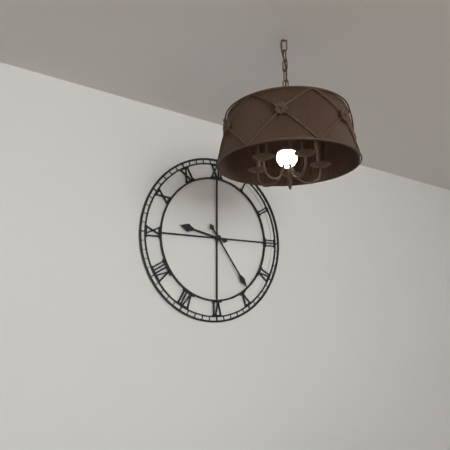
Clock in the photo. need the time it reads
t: 9:24
